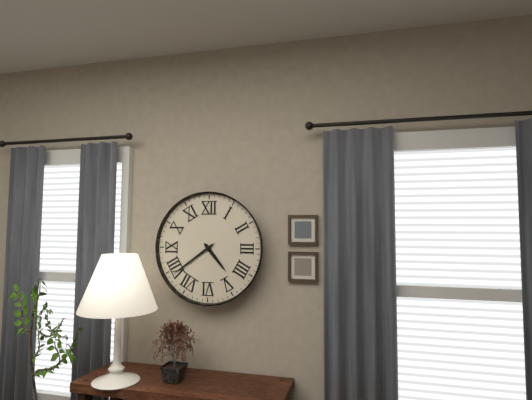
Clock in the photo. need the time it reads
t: 4:39
